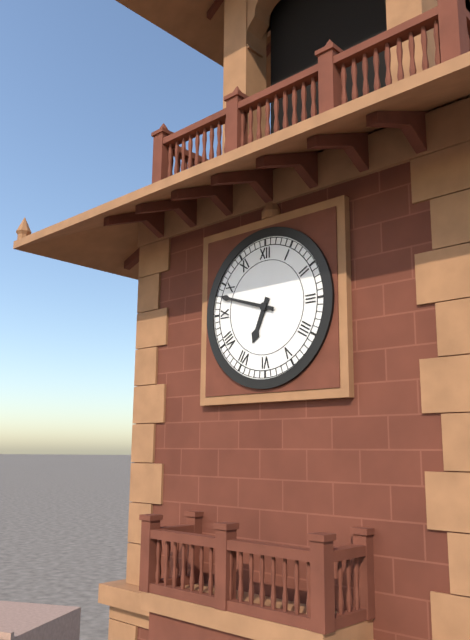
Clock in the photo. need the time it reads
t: 6:48
